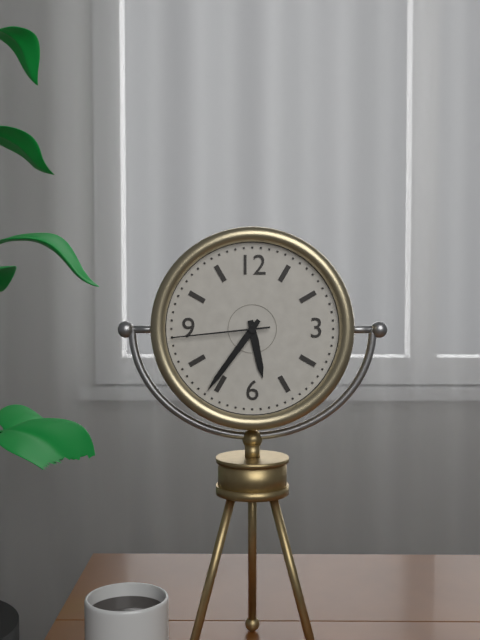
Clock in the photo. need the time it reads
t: 5:36:44
